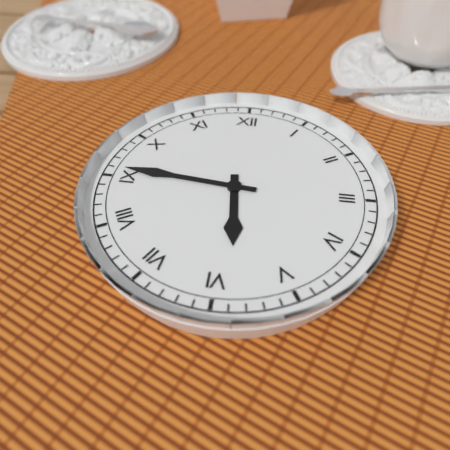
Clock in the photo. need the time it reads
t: 5:46
